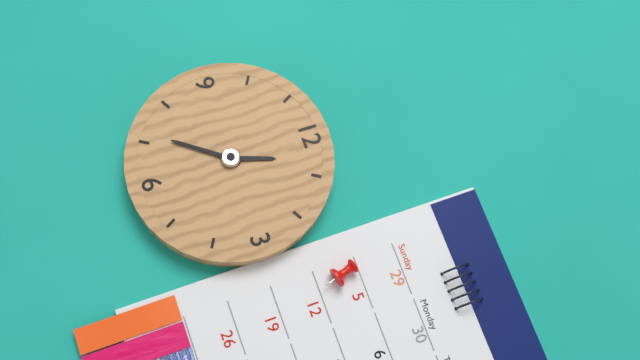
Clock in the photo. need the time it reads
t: 12:36
